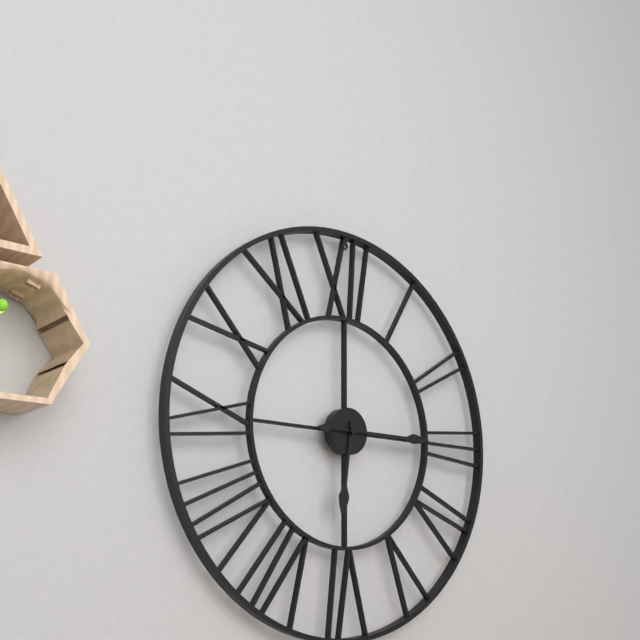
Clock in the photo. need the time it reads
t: 6:15
